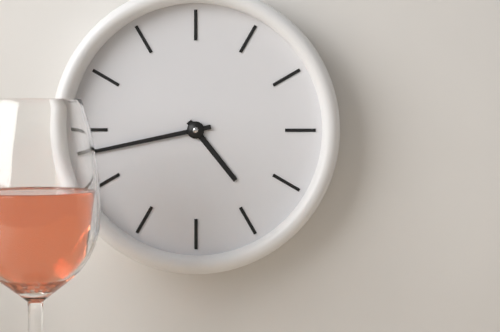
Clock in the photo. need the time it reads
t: 4:43
